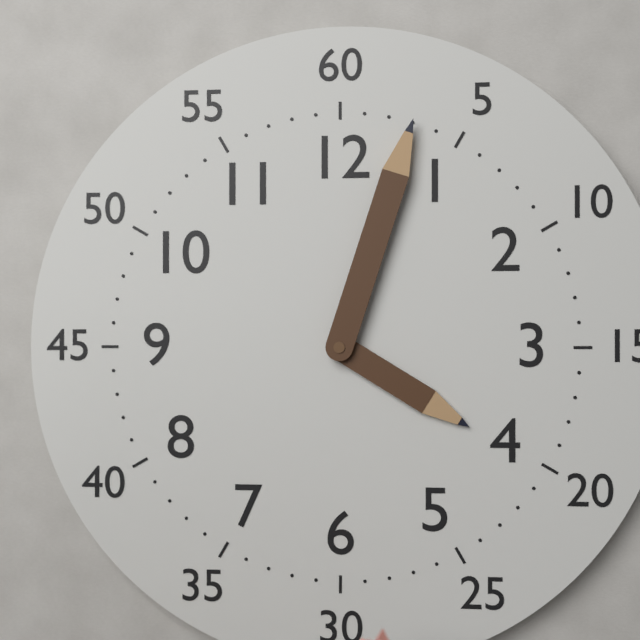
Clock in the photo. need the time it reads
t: 4:03
